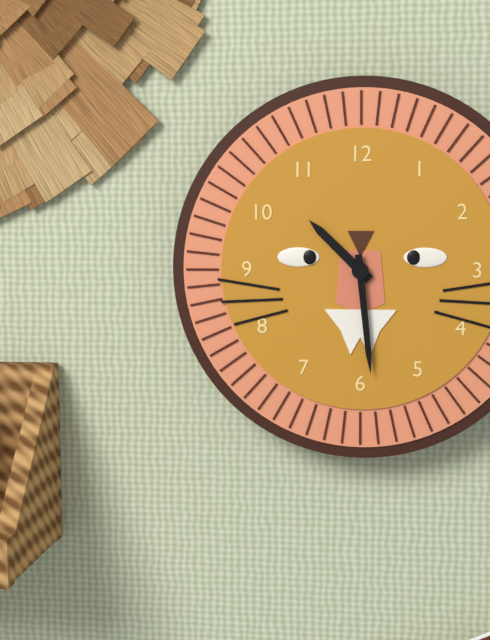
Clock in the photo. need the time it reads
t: 10:29
